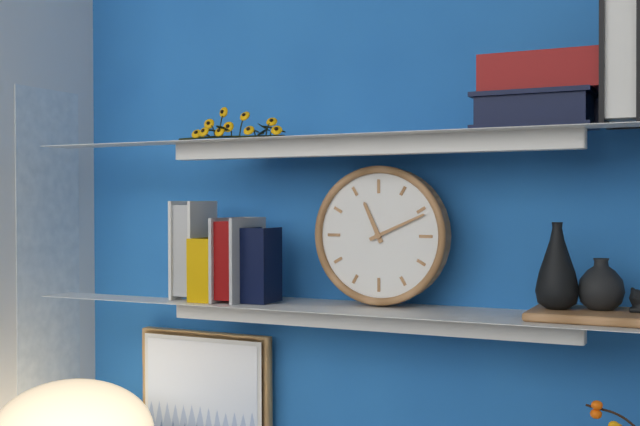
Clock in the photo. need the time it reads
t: 11:11
